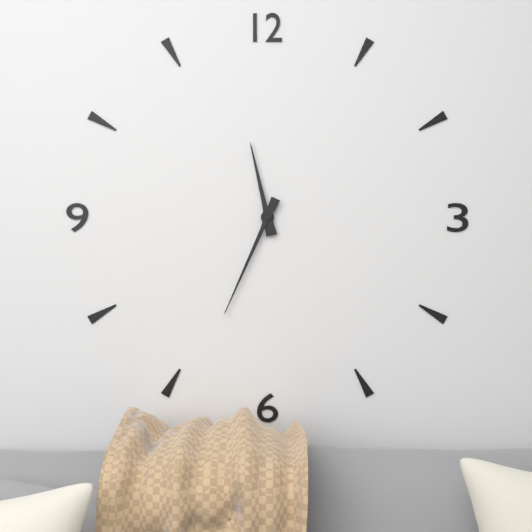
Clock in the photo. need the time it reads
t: 11:34
